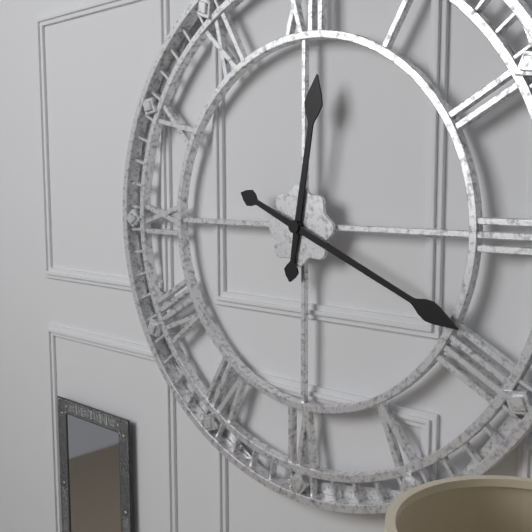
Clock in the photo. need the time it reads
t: 12:19
